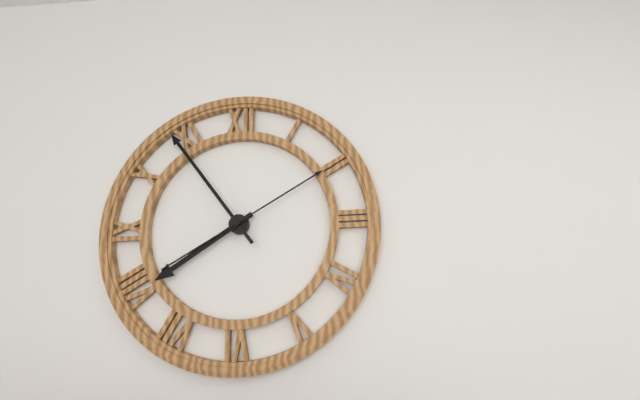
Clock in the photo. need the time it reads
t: 7:54:10
